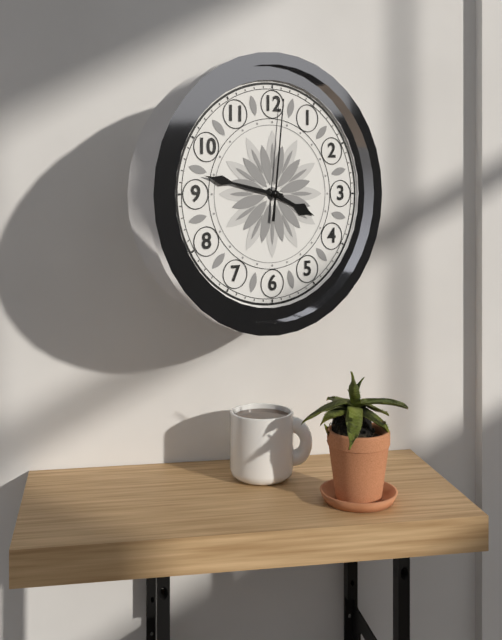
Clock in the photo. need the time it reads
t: 3:47:01
